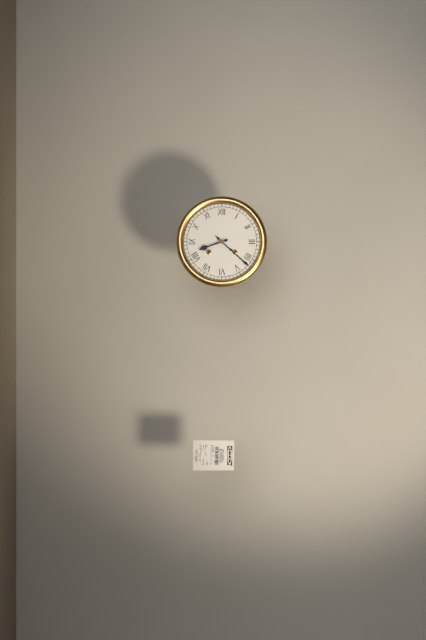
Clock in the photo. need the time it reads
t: 8:22
